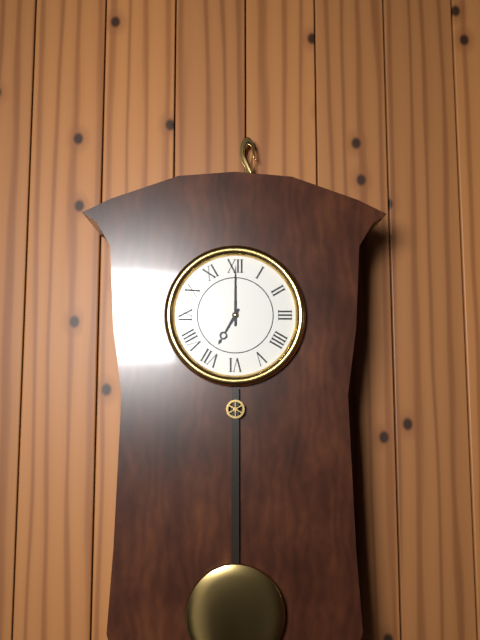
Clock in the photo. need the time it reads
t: 7:00
